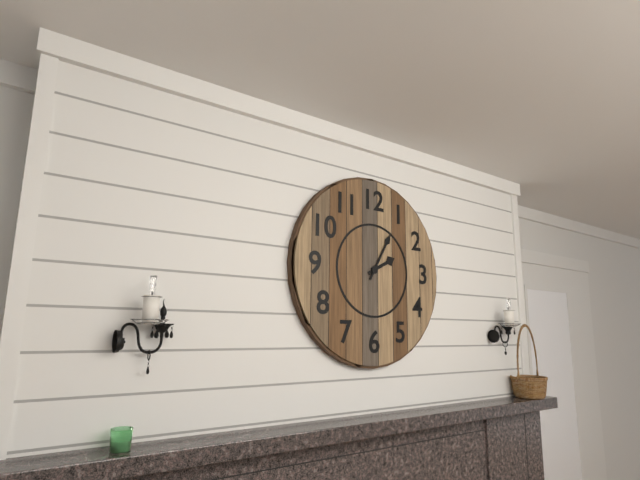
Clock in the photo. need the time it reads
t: 2:05
